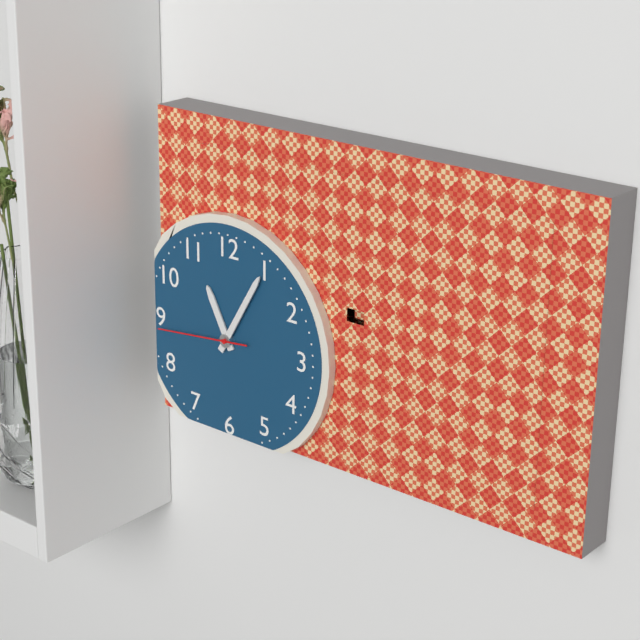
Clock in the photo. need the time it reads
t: 11:05:44
